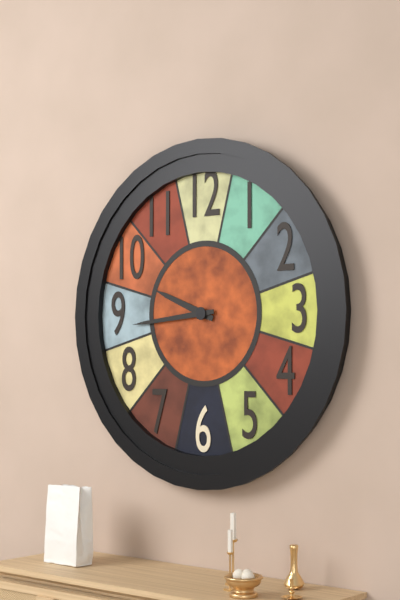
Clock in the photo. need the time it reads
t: 9:44
